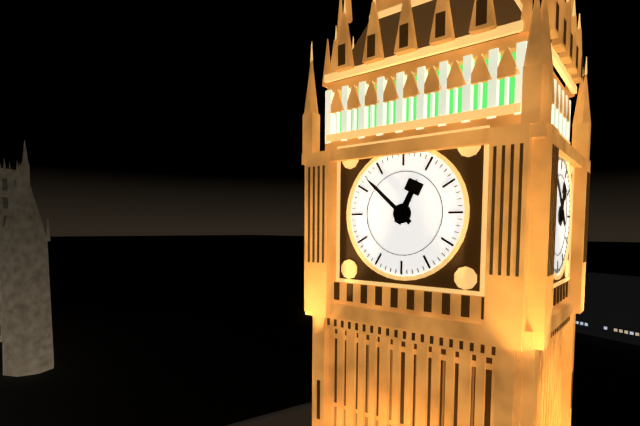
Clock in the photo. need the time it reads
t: 12:52
